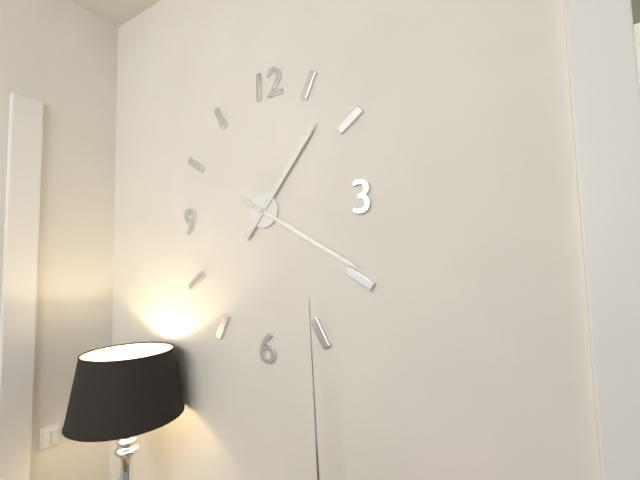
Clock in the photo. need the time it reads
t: 1:20
